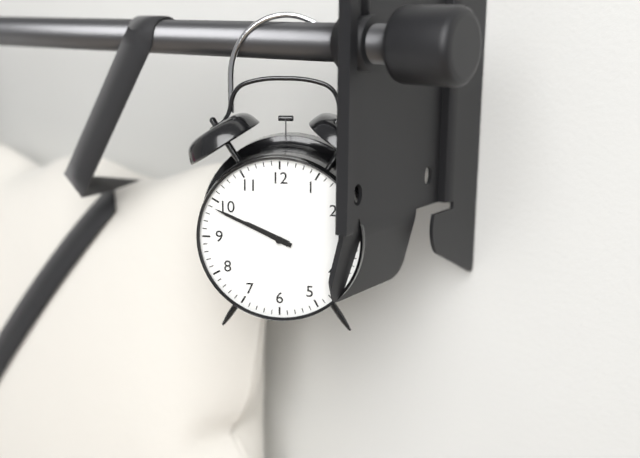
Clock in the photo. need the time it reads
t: 9:49
